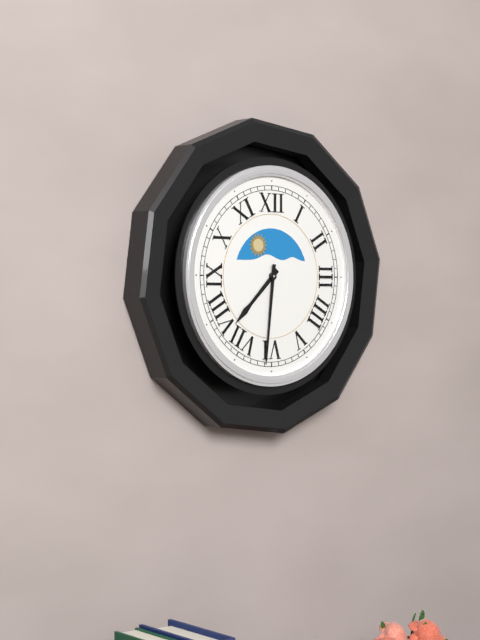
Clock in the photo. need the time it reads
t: 7:31
